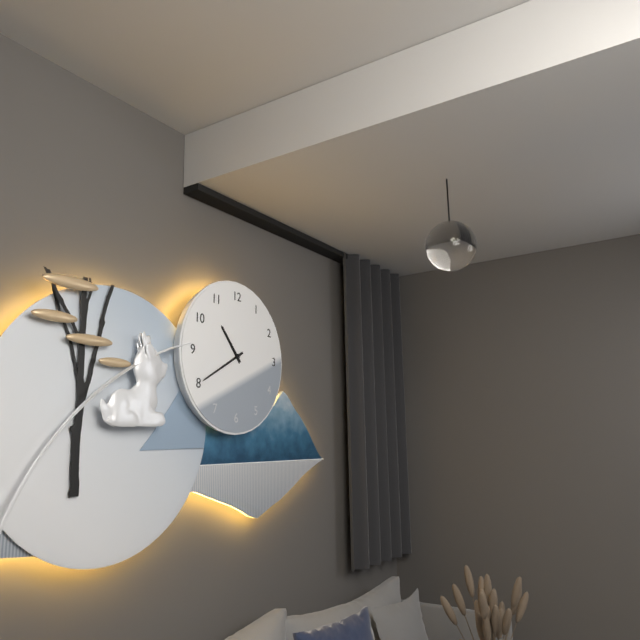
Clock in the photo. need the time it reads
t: 10:40
